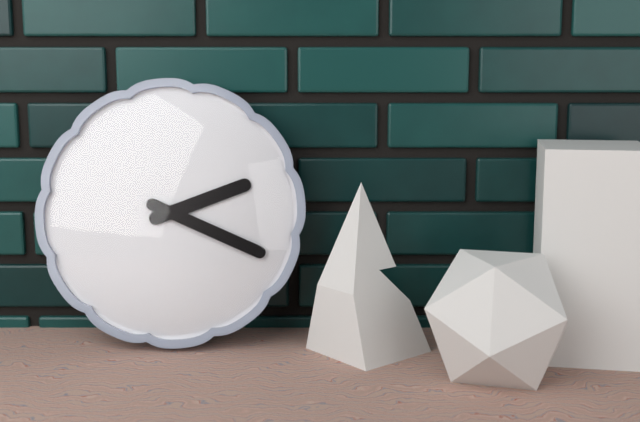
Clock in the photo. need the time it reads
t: 2:19
